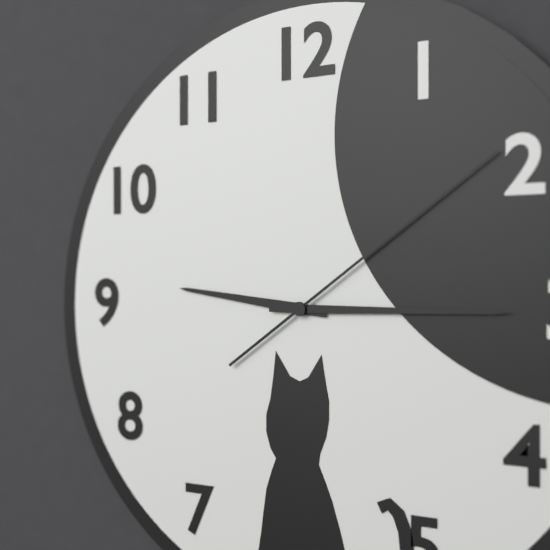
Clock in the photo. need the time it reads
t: 9:15:09
